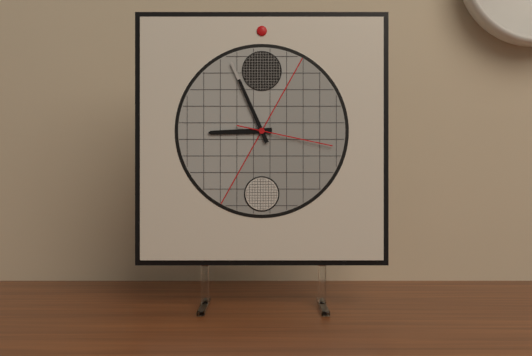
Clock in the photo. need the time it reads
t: 8:56:17
